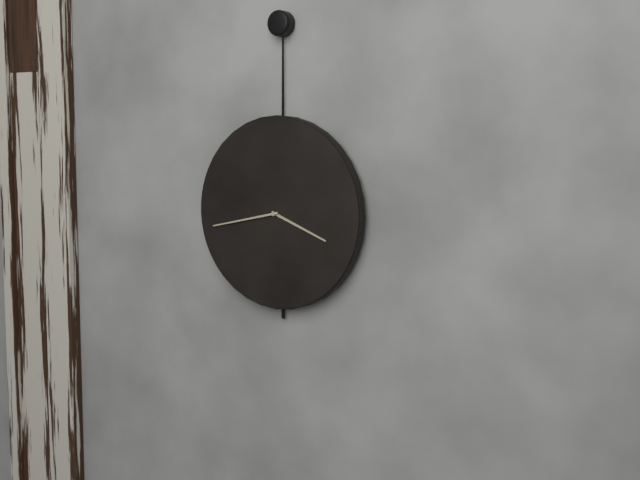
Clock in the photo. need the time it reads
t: 3:43
